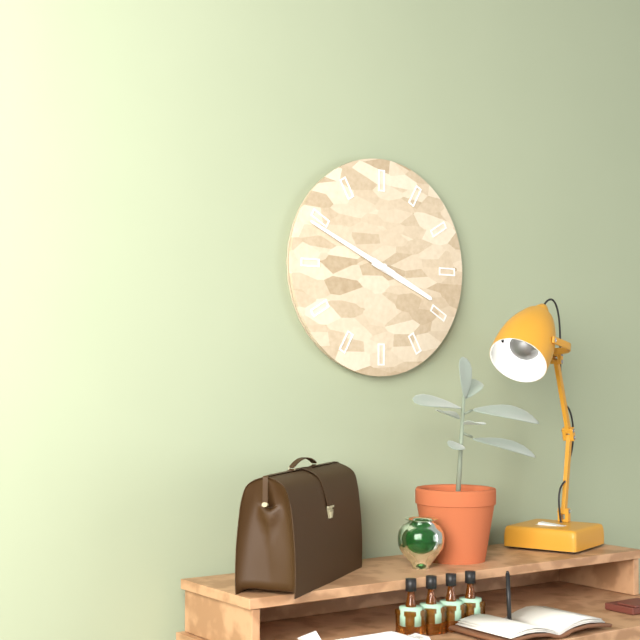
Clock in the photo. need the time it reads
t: 3:49
